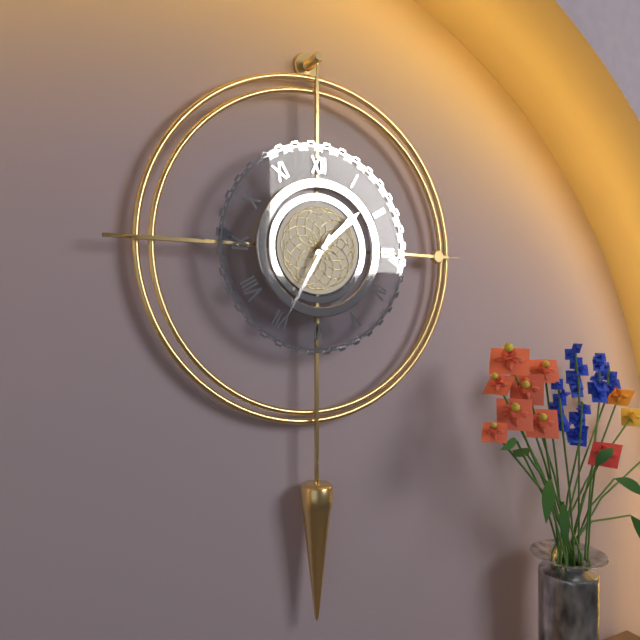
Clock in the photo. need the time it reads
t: 1:35
